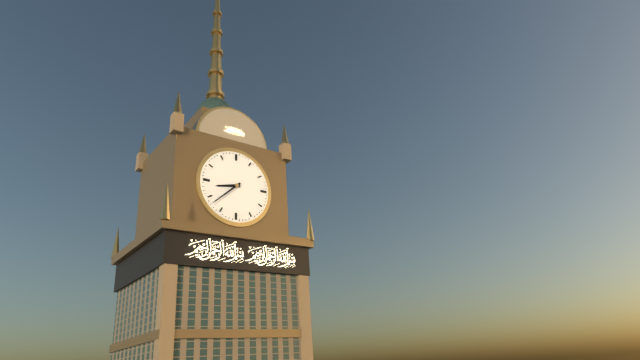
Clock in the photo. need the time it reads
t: 8:38
